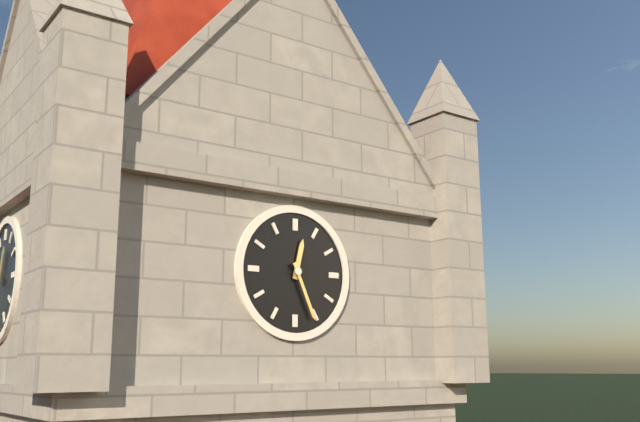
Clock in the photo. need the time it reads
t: 12:26
